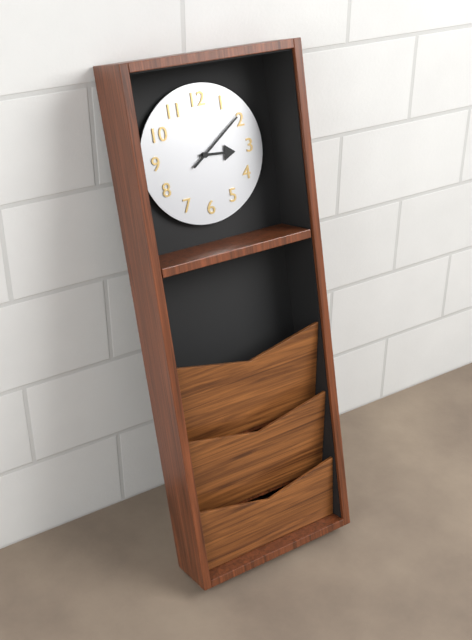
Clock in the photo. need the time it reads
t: 3:09
